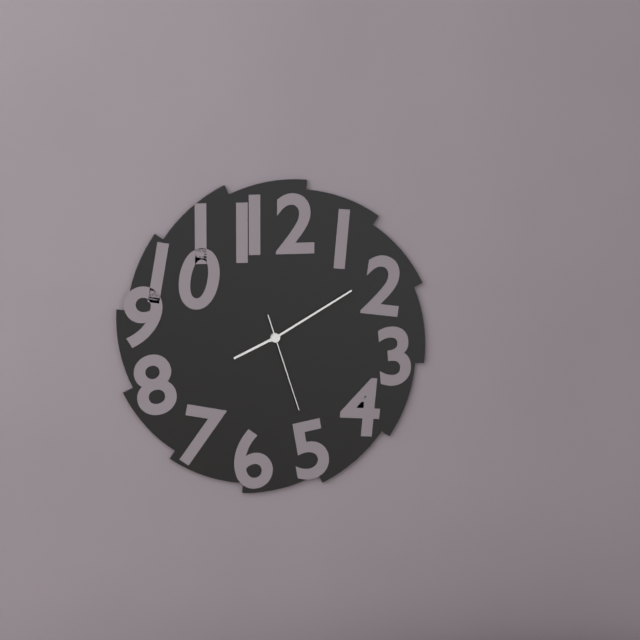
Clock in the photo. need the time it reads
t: 8:10:27
